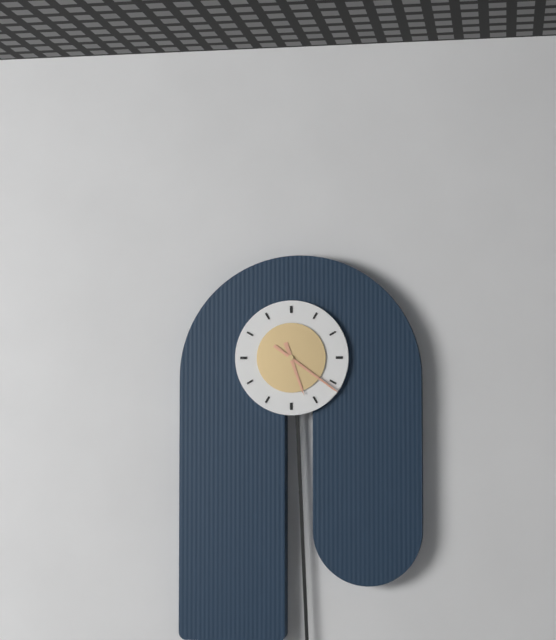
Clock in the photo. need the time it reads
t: 5:21
